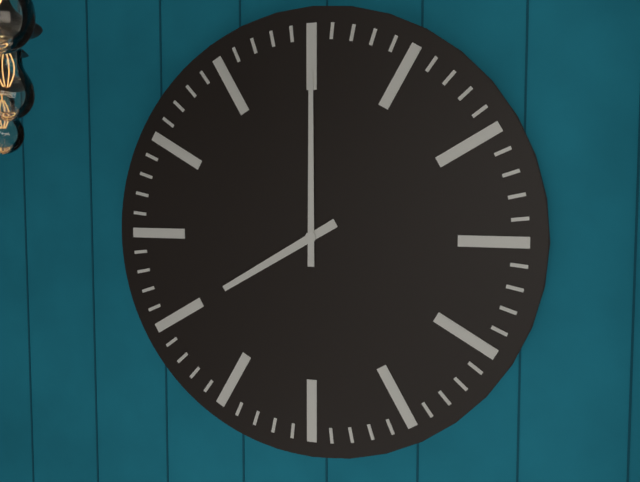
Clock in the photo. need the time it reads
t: 8:00
